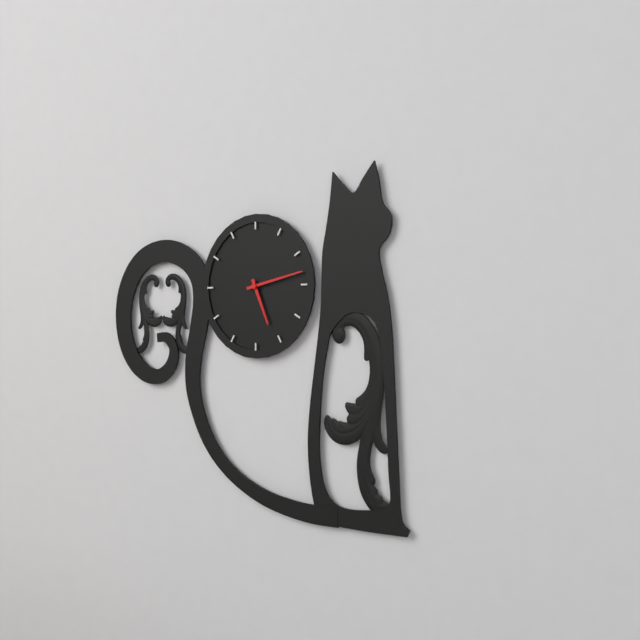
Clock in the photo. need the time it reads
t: 5:13
